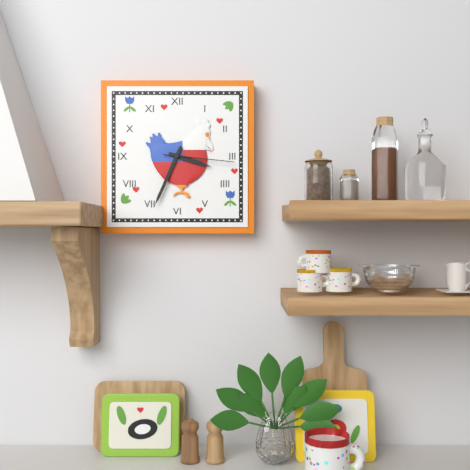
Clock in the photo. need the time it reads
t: 3:34:16
